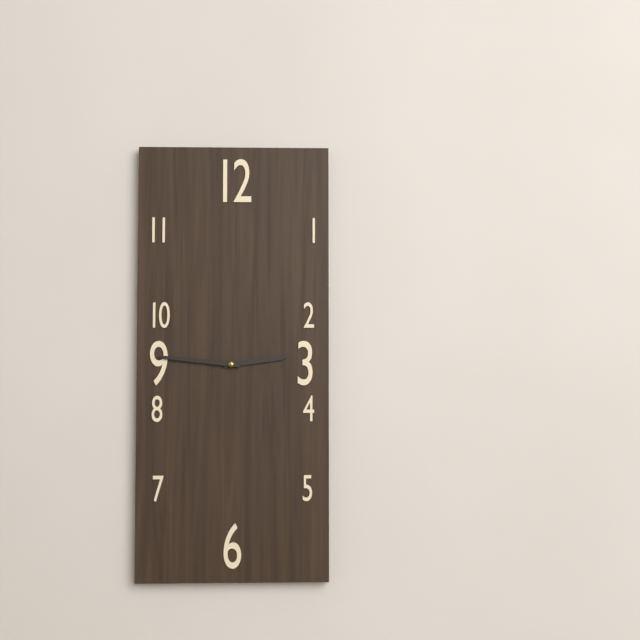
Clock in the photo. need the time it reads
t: 2:46
